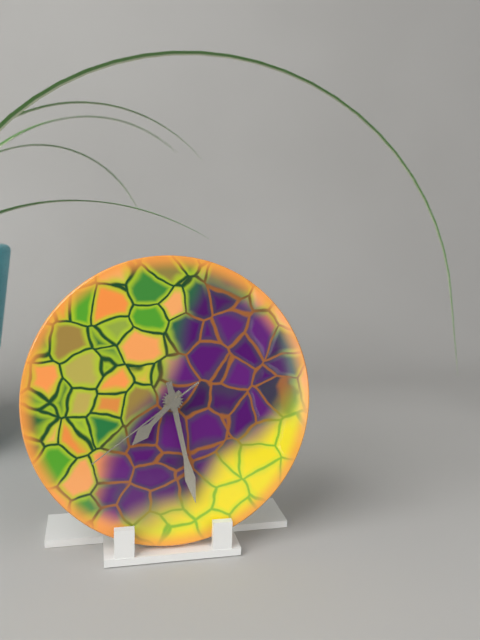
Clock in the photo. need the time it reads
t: 7:28:39
